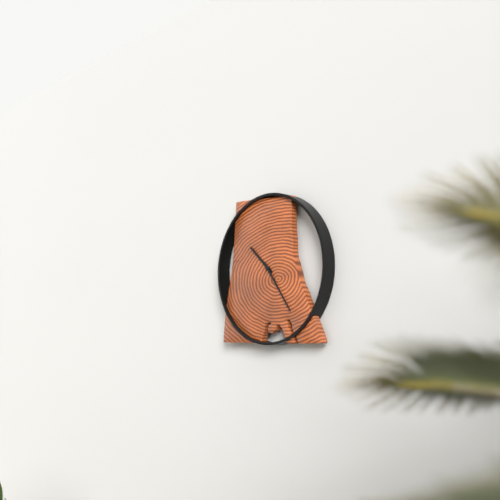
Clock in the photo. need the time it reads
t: 10:24
